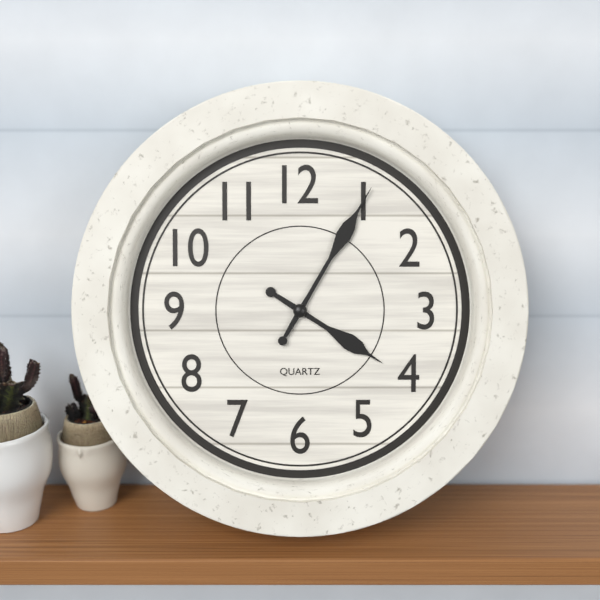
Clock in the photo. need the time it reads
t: 4:05
